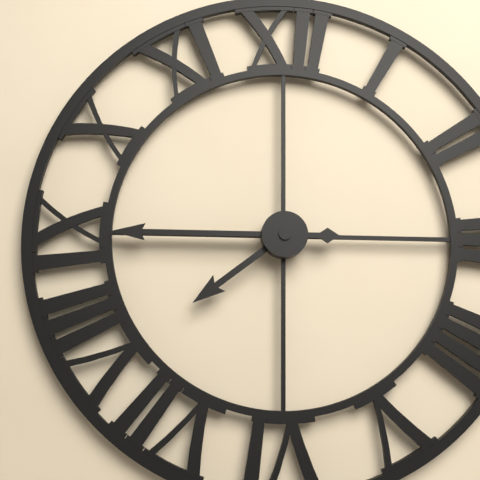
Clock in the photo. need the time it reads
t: 7:45
